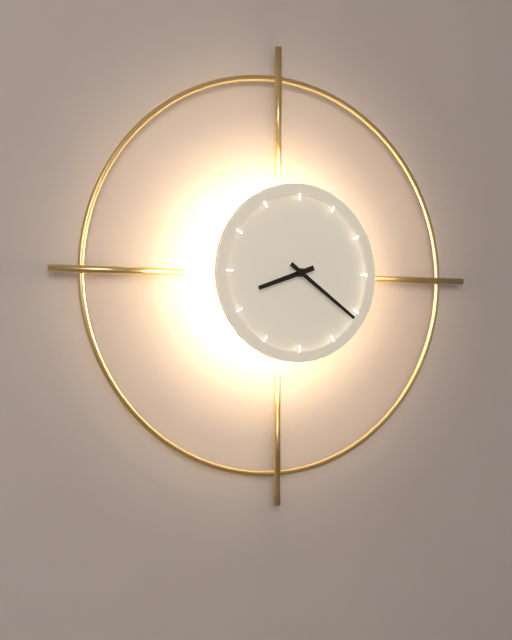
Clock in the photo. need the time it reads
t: 8:21
